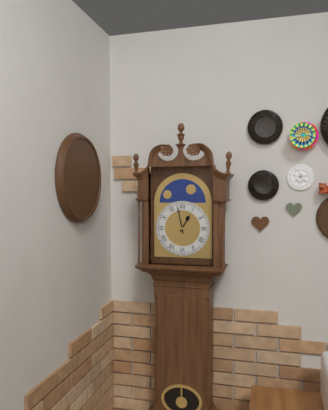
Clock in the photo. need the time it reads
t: 12:58
